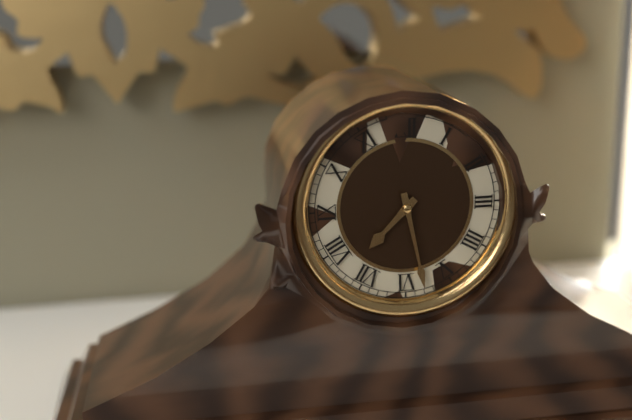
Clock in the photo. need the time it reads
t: 7:28
